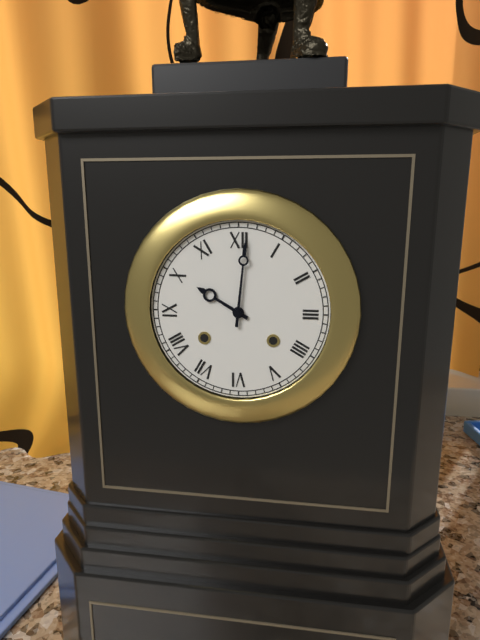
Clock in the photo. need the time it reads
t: 10:01
